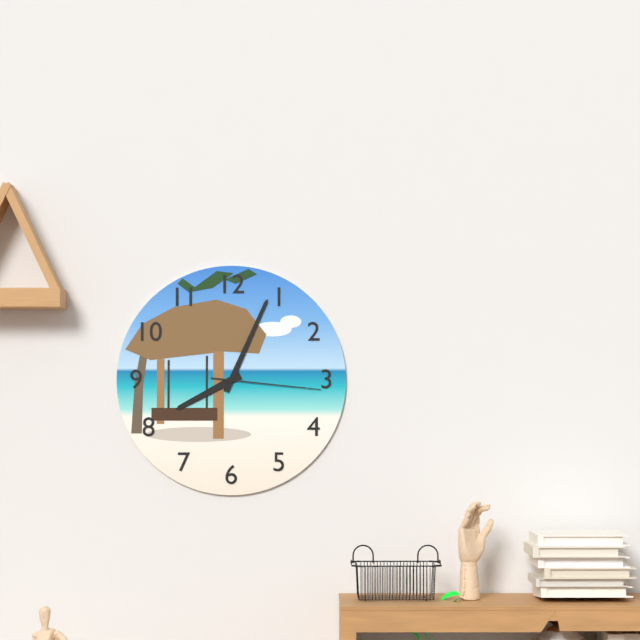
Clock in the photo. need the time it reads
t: 8:04:16
